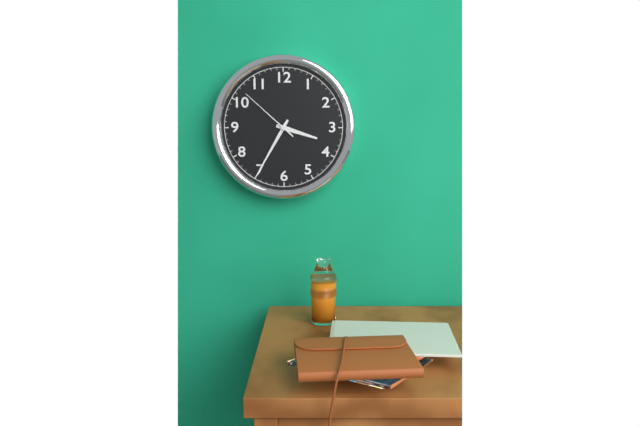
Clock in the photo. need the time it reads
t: 3:35:52
